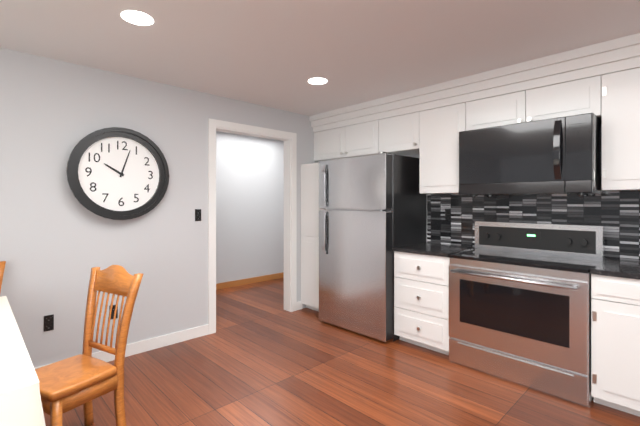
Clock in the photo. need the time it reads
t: 10:03
